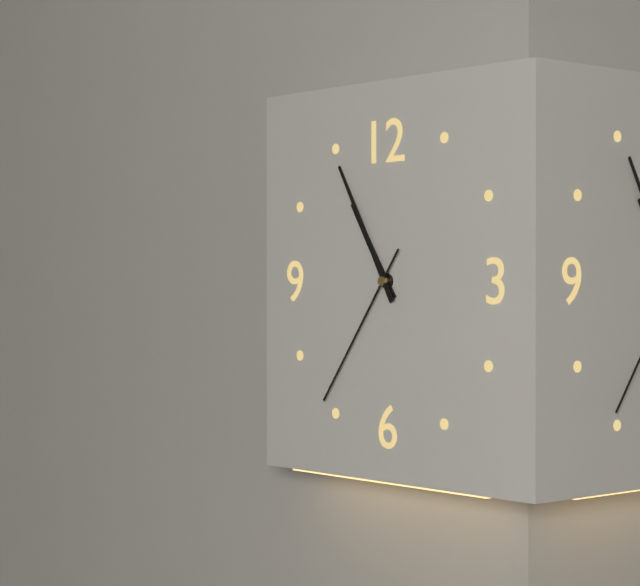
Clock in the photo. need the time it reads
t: 10:55:36
